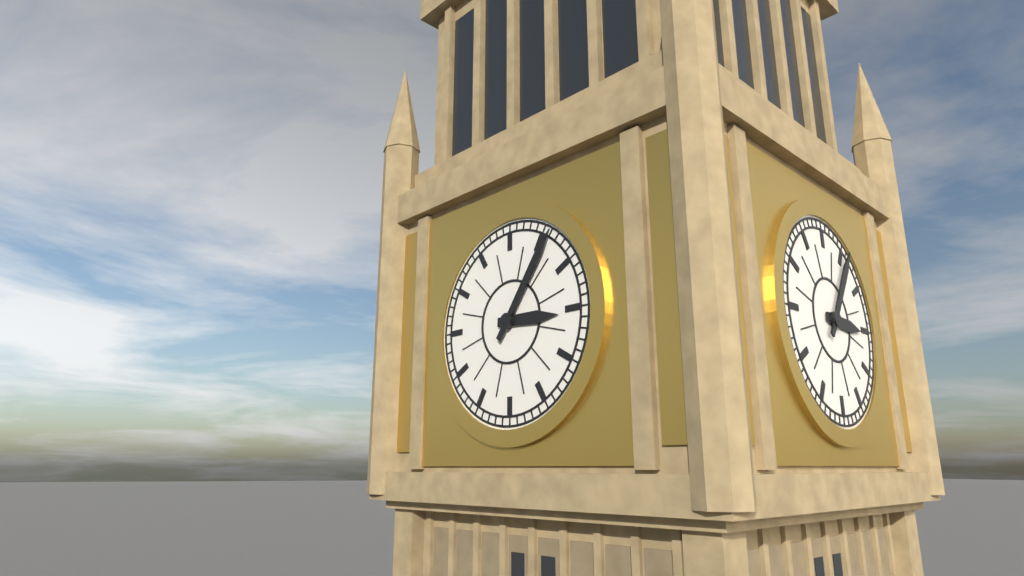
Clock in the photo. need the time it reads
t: 3:06
